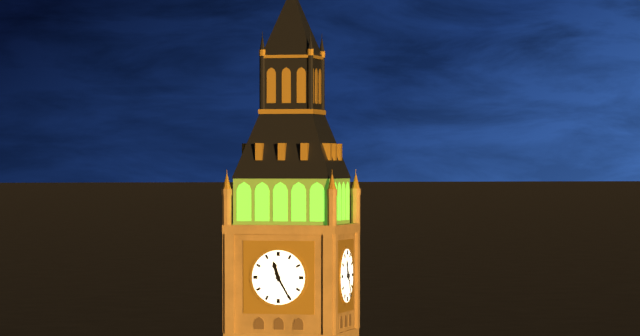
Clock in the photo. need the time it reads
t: 11:25
